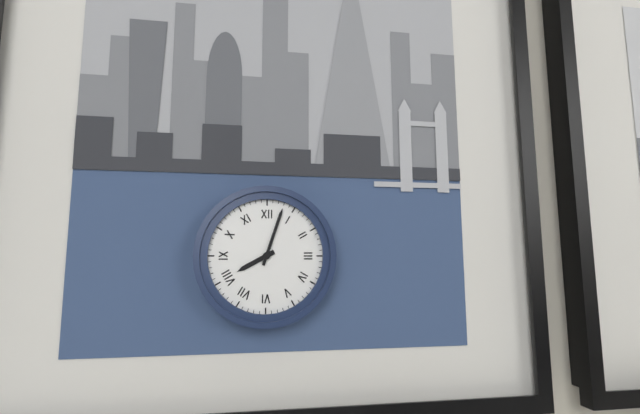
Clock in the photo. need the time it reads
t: 8:03
